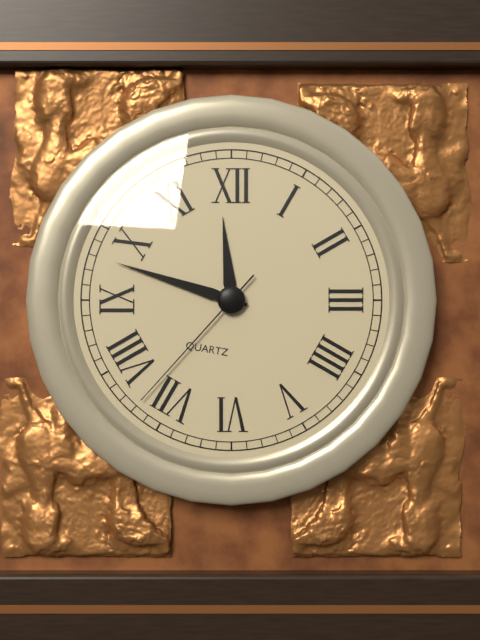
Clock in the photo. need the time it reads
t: 11:48:37
